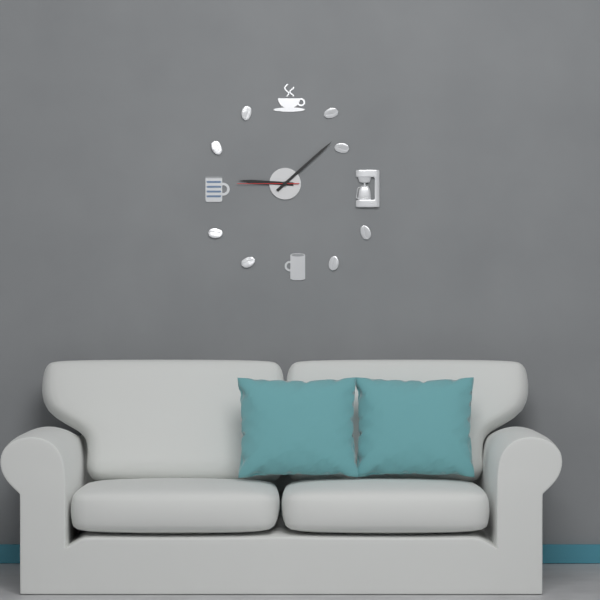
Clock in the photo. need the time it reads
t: 9:08:45
